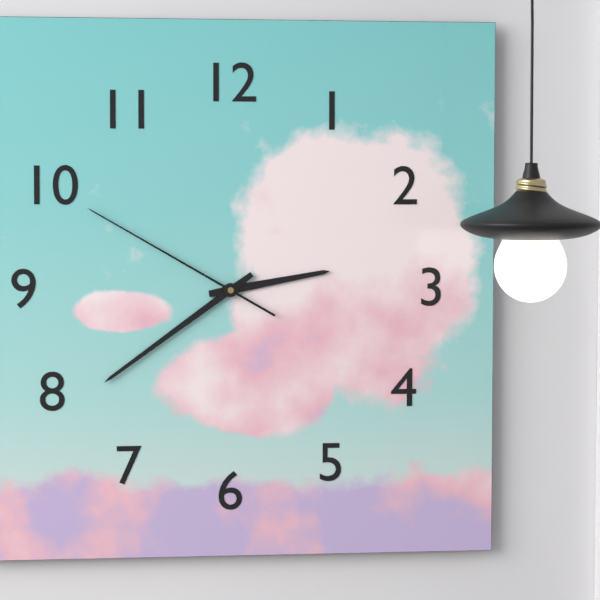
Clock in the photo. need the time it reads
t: 2:39:50
